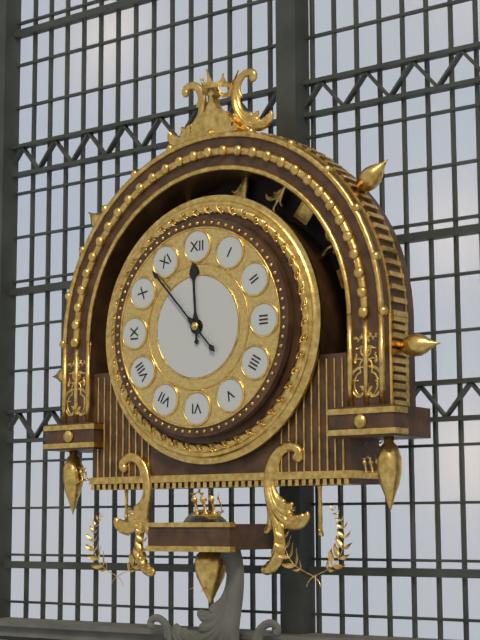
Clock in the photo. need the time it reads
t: 11:53
